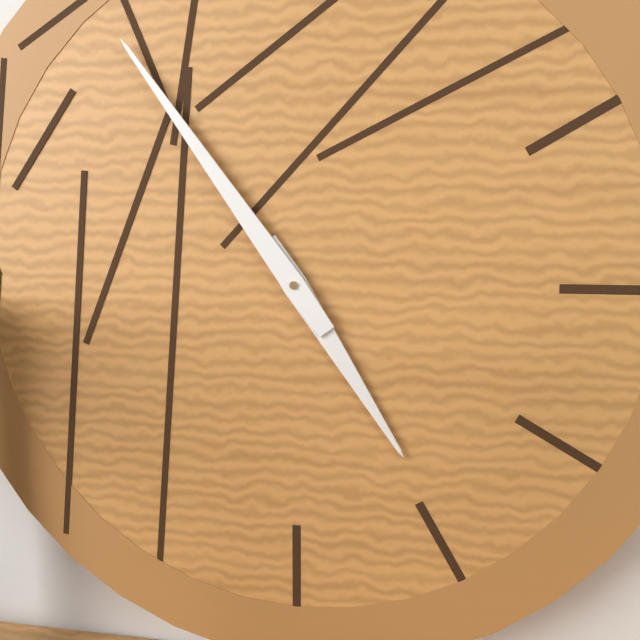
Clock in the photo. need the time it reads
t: 4:54
